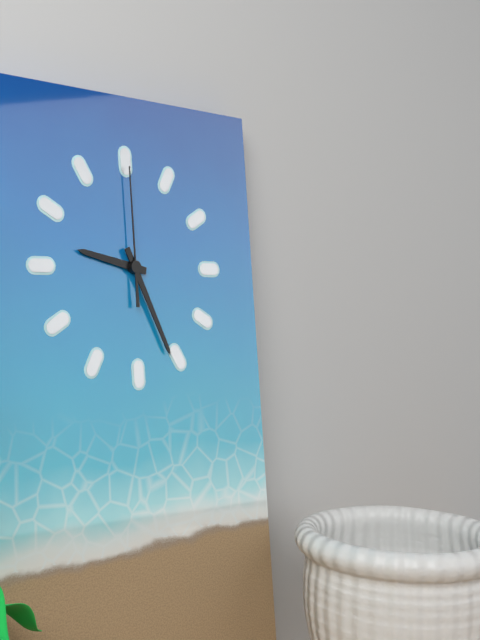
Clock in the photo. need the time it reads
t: 9:26:00
